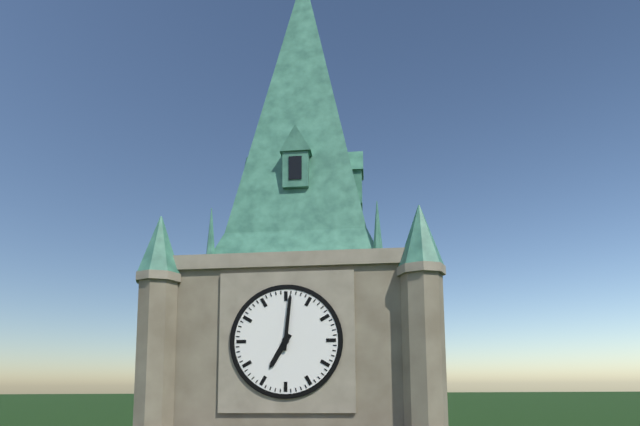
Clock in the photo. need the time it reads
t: 7:01
